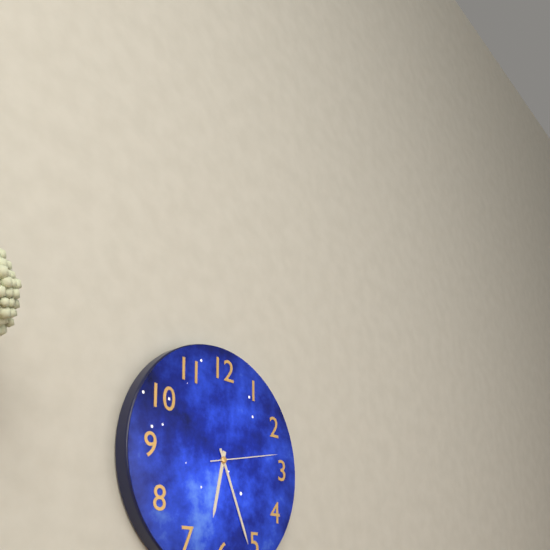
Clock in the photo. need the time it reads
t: 6:26:13
